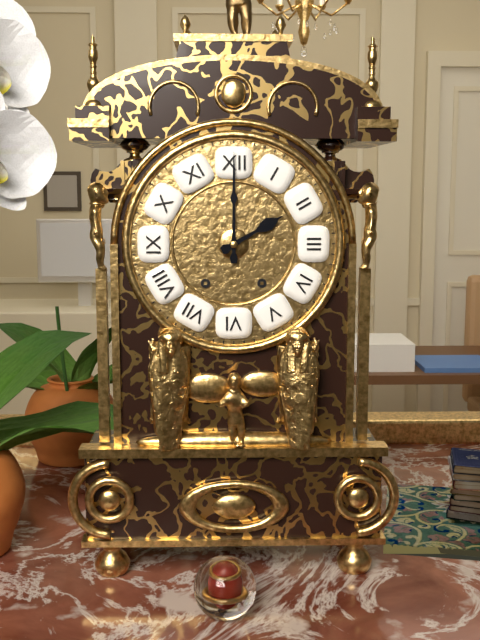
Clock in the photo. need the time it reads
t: 2:00
